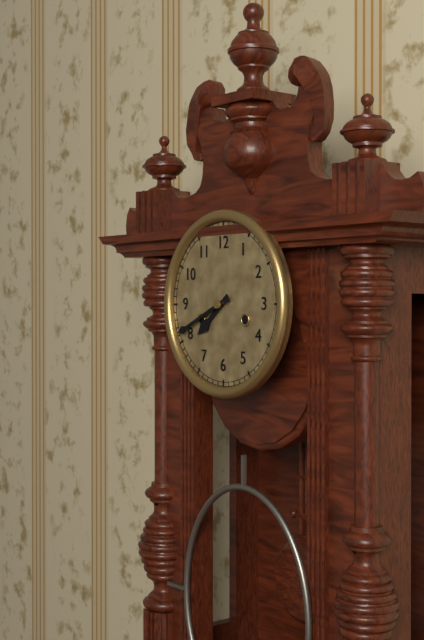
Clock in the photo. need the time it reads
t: 7:41
